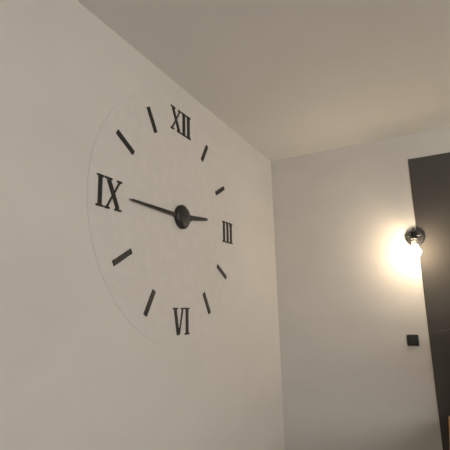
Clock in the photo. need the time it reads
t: 2:45
